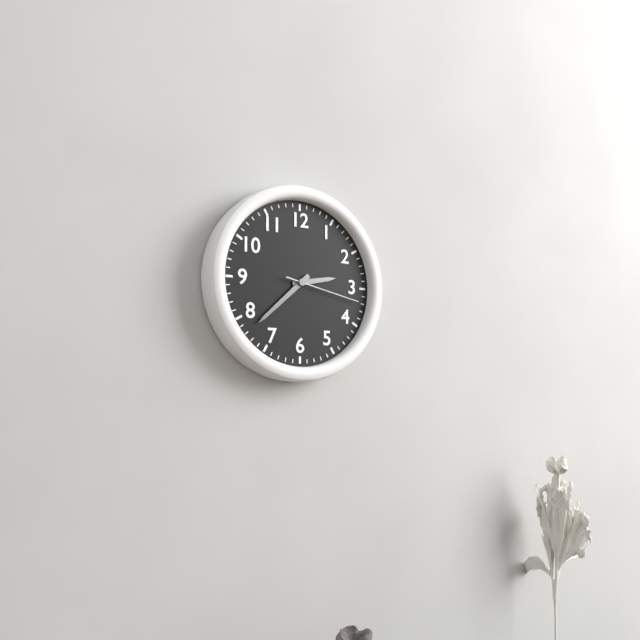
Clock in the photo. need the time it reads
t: 2:38:17
